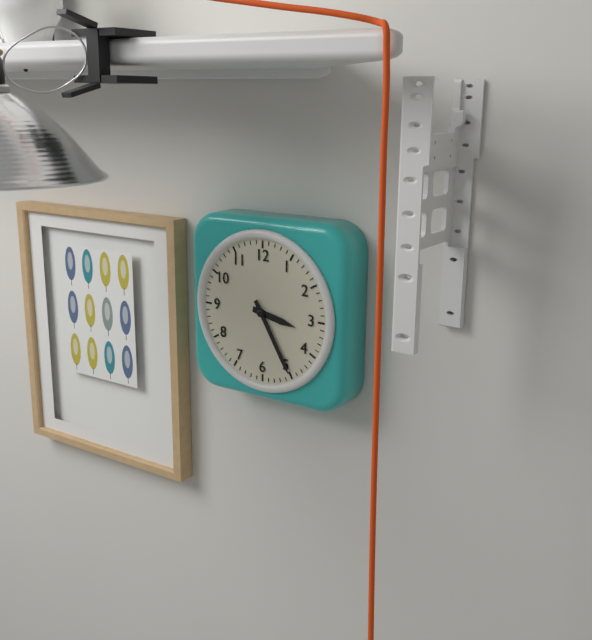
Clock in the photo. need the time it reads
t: 3:25
